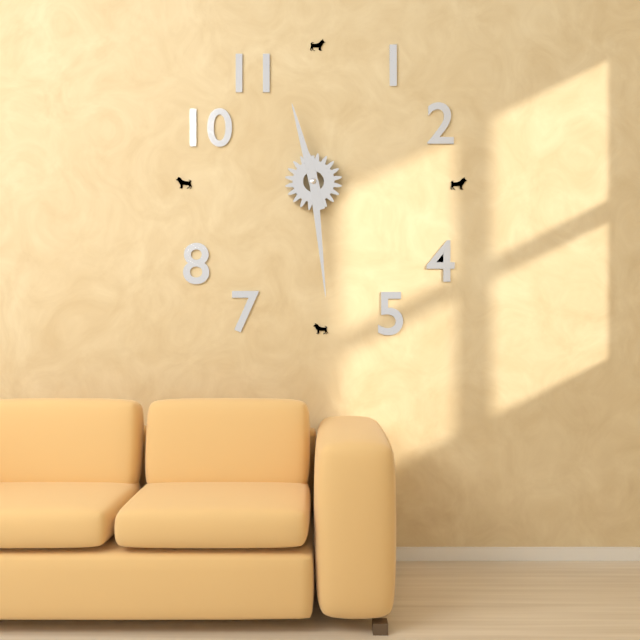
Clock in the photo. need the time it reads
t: 11:29
